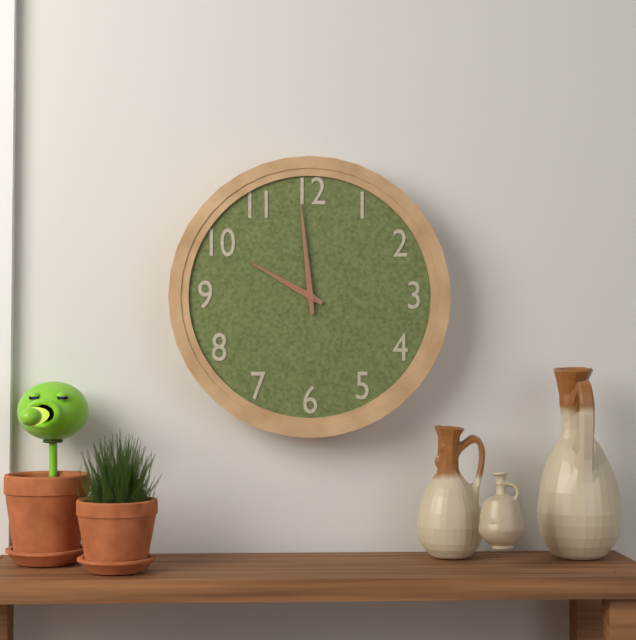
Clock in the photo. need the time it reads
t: 9:59
